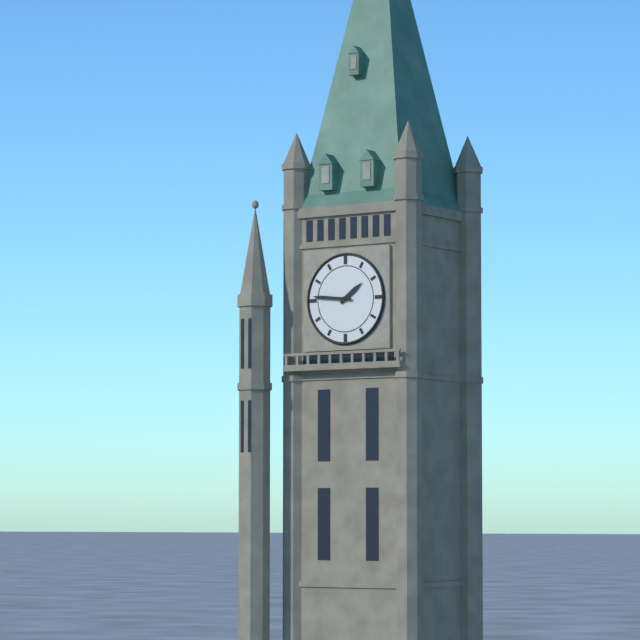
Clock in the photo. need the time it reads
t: 1:46
